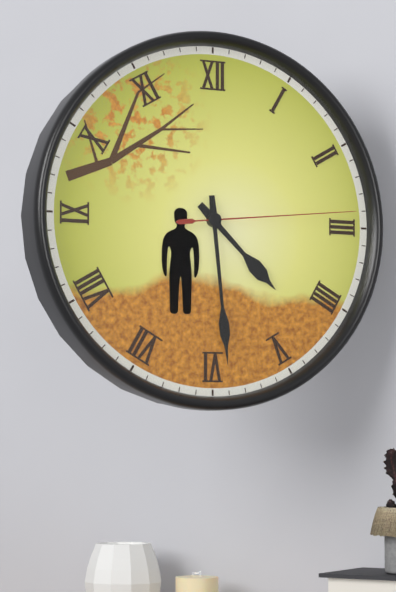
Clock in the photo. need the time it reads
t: 4:29:14
